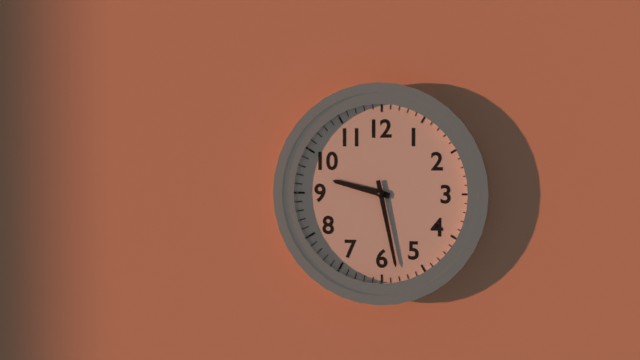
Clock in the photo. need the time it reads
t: 9:28
